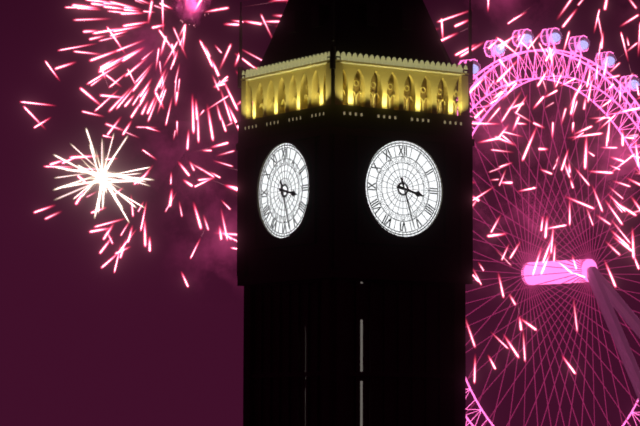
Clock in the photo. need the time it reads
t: 3:27
